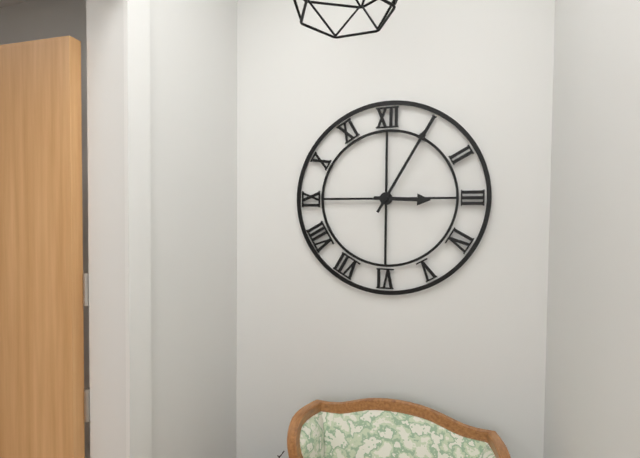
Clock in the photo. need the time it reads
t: 3:05
